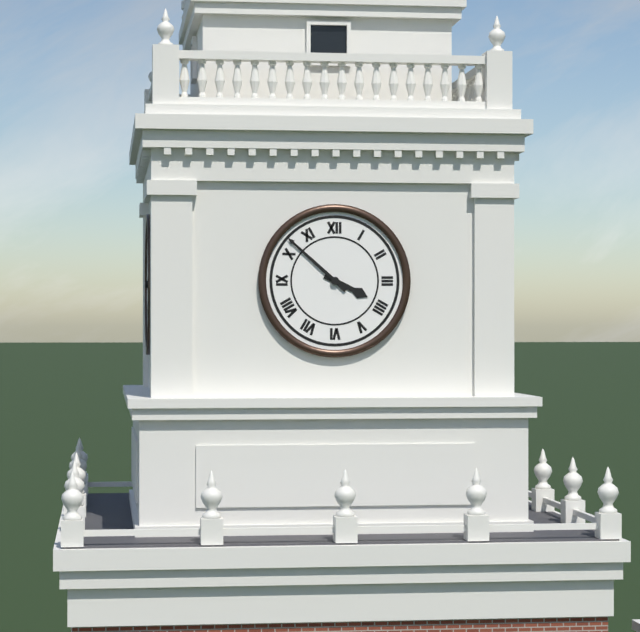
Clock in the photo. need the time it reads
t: 3:52
